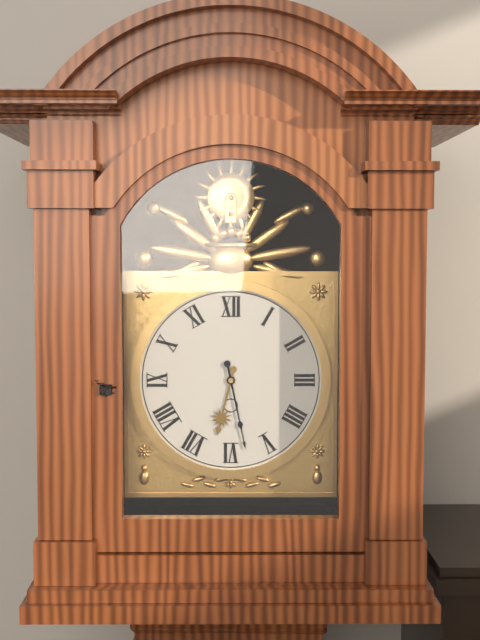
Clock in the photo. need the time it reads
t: 6:28
